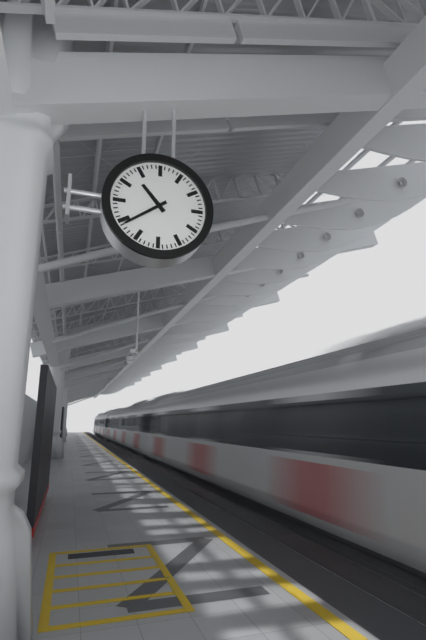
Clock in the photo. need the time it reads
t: 10:39
